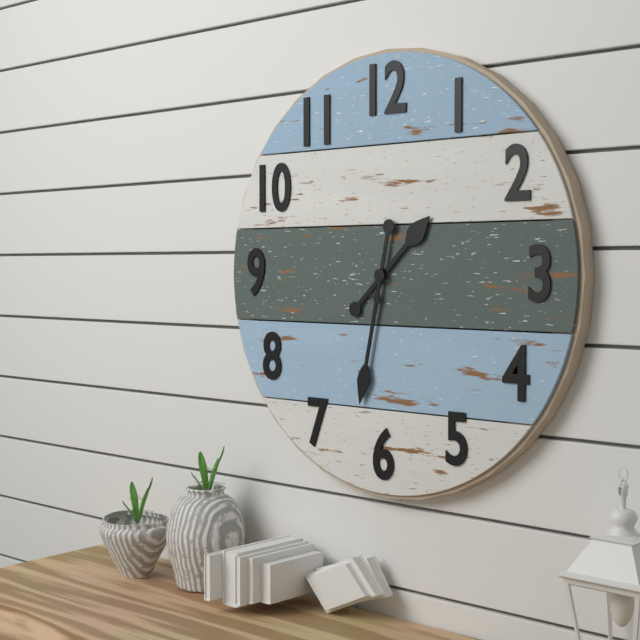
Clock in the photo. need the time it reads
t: 1:32
